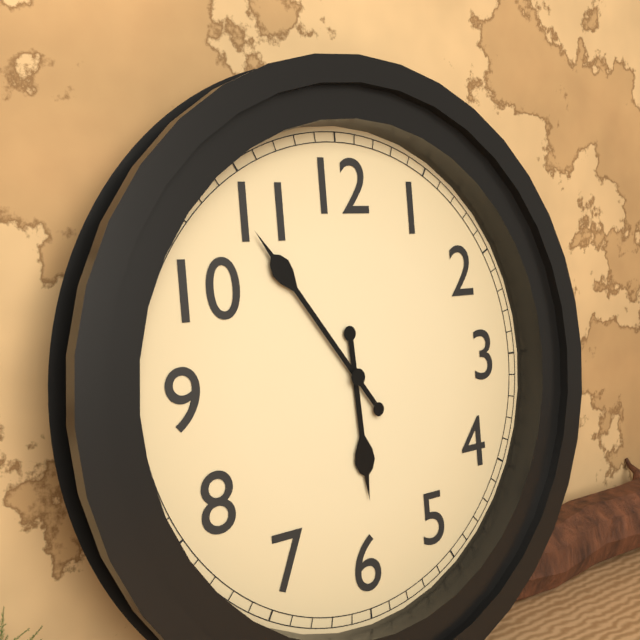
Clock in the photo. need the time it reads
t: 5:54
